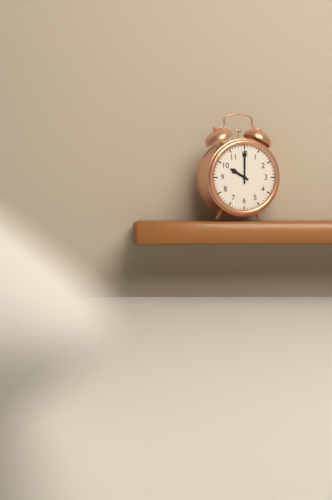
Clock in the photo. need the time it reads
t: 10:00
